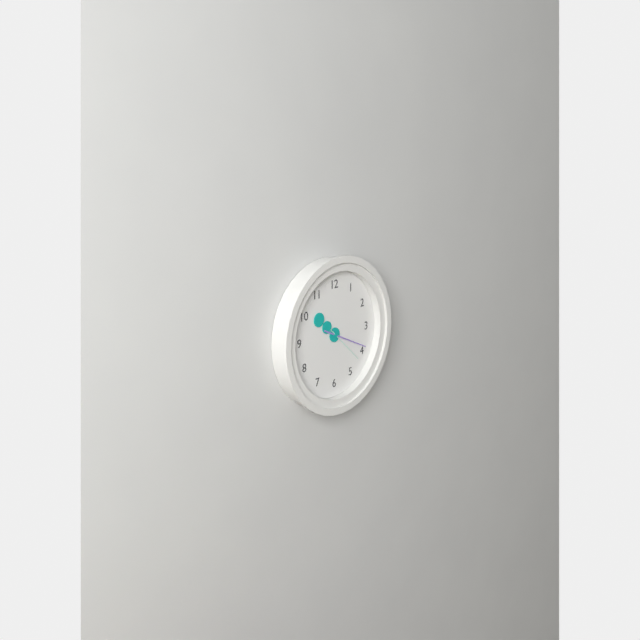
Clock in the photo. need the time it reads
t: 10:19
